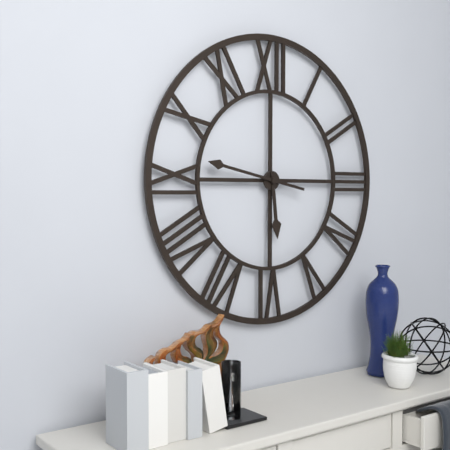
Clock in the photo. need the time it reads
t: 5:47
